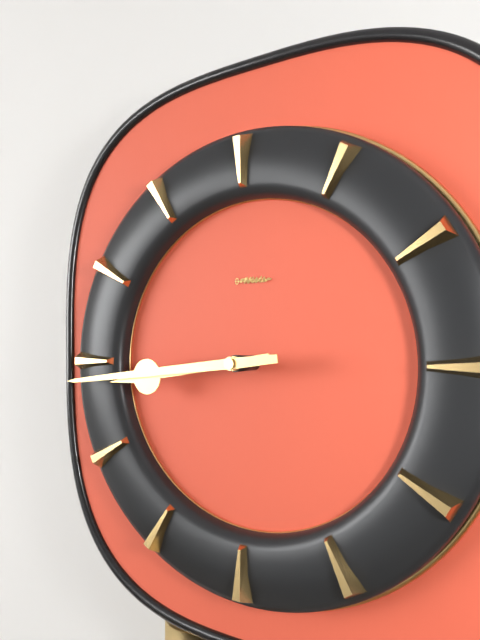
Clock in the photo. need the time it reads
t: 8:44
